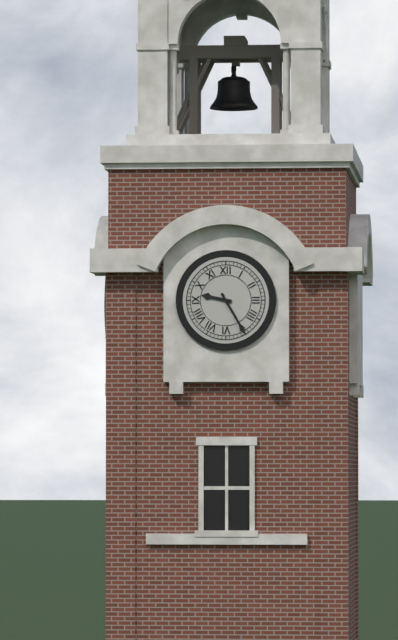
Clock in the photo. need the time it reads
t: 9:25
